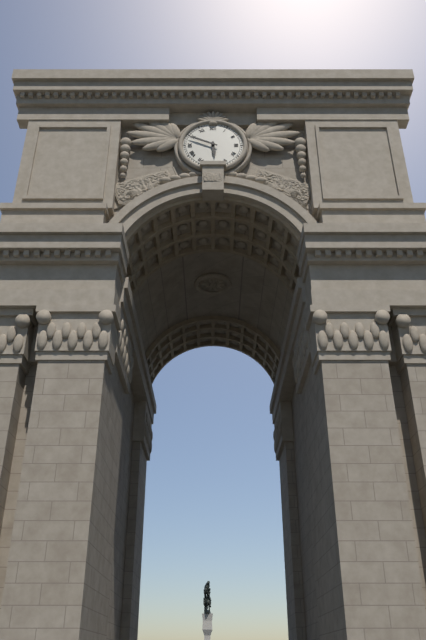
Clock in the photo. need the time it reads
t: 5:49
